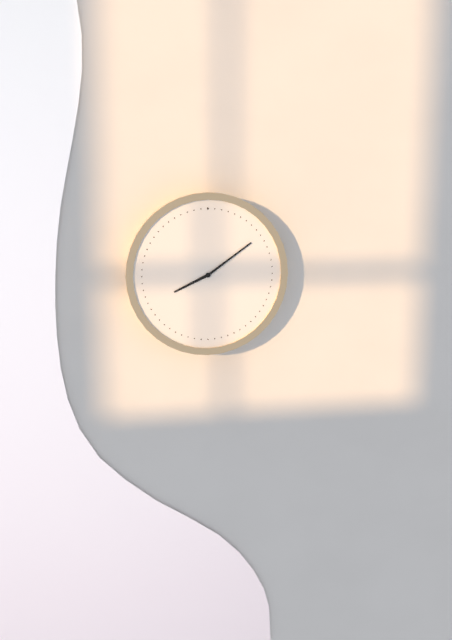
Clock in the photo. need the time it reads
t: 8:09
